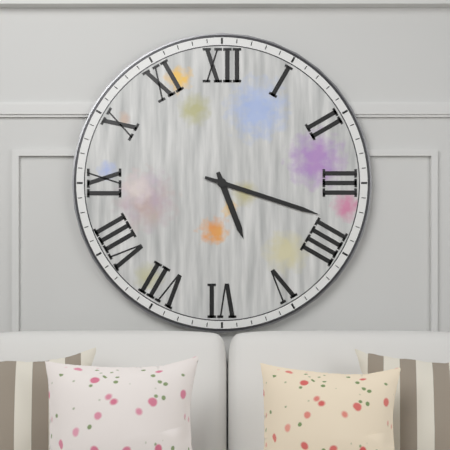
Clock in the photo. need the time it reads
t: 5:18
